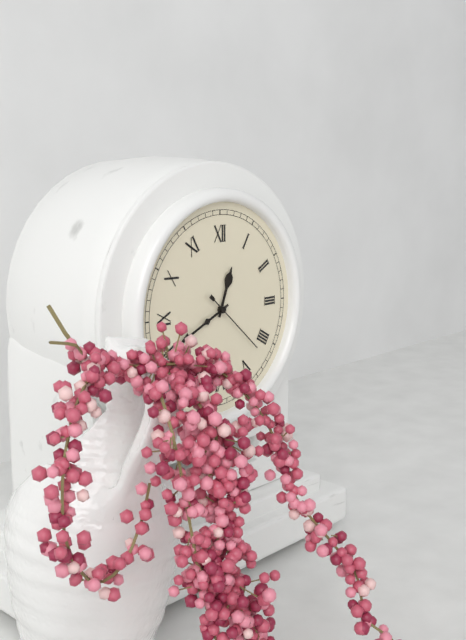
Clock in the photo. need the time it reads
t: 12:41:22
